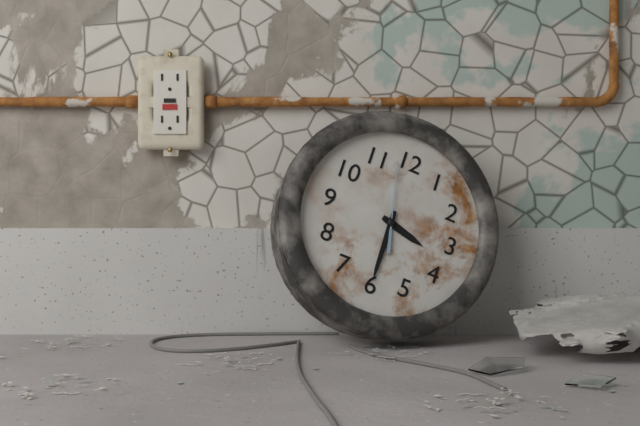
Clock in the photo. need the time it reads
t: 3:30:58
